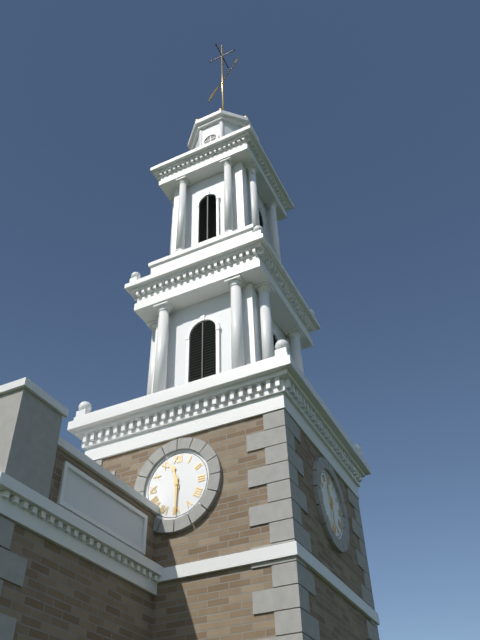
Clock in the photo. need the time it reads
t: 11:30
